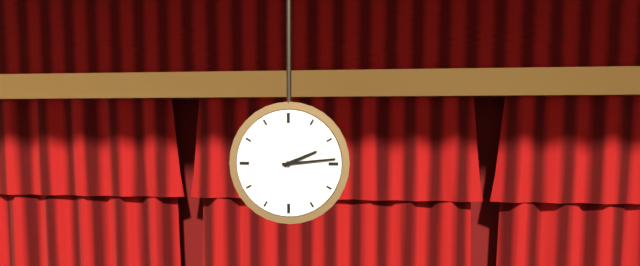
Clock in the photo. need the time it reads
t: 2:14
